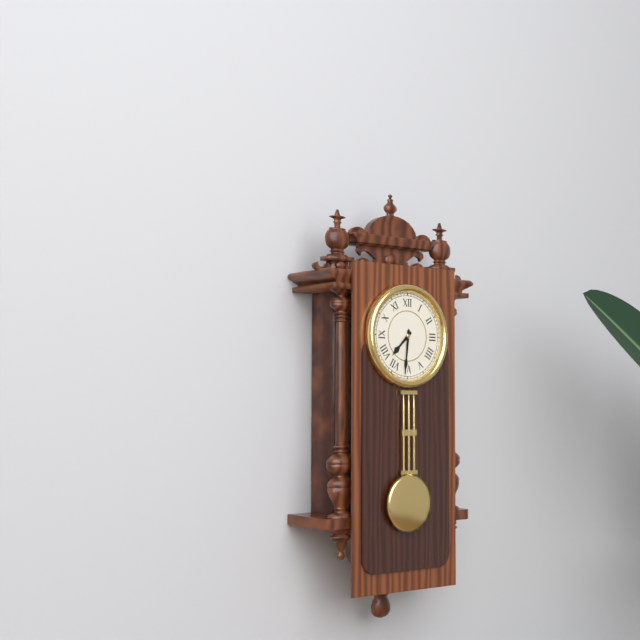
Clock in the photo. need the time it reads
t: 7:31
